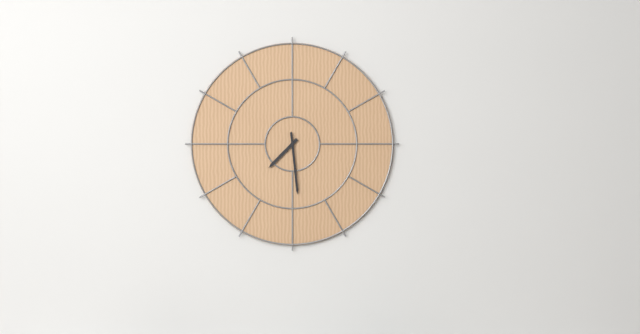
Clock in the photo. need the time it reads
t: 7:29
